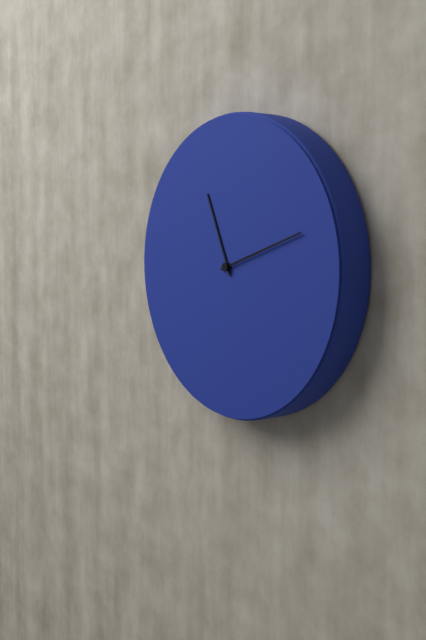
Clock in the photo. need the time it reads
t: 11:12
